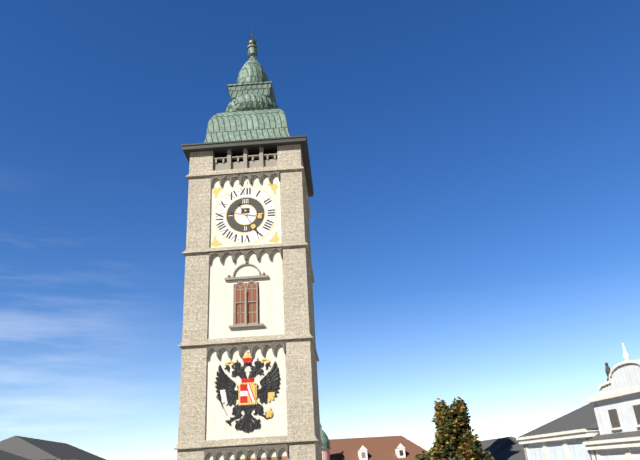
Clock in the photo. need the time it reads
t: 3:25
